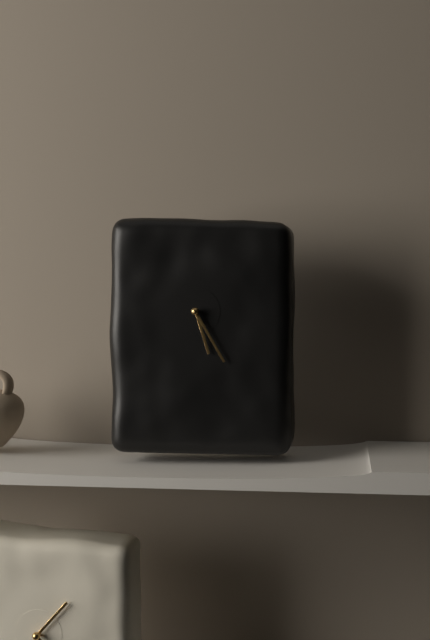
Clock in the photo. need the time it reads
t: 5:25
